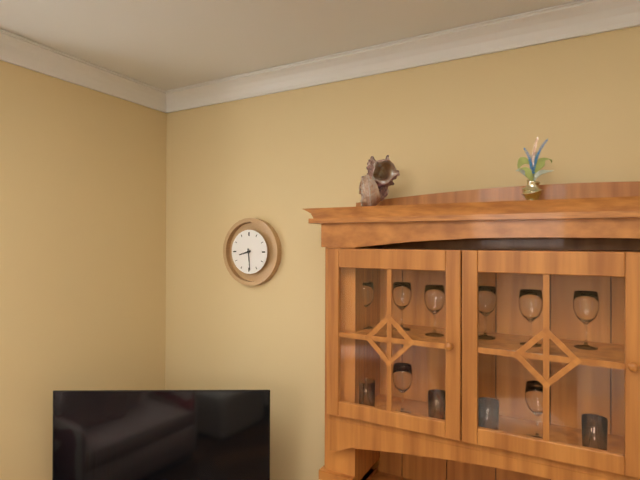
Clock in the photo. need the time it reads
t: 8:29
